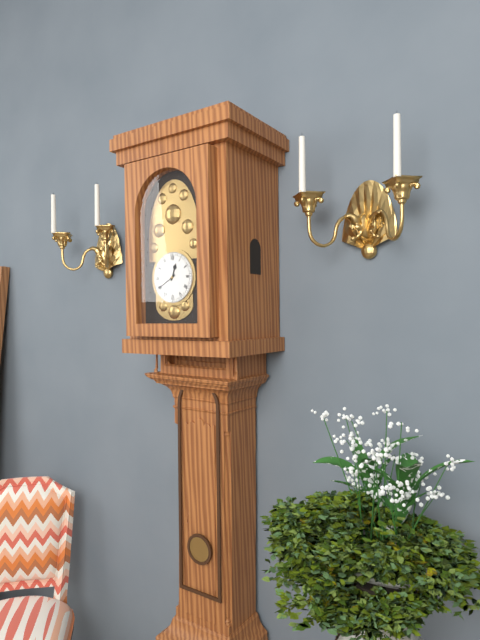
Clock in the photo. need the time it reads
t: 12:40
